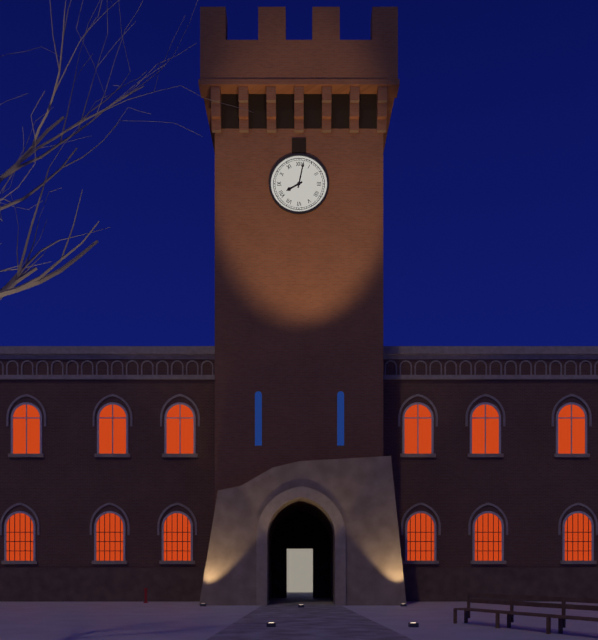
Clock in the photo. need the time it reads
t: 8:02
